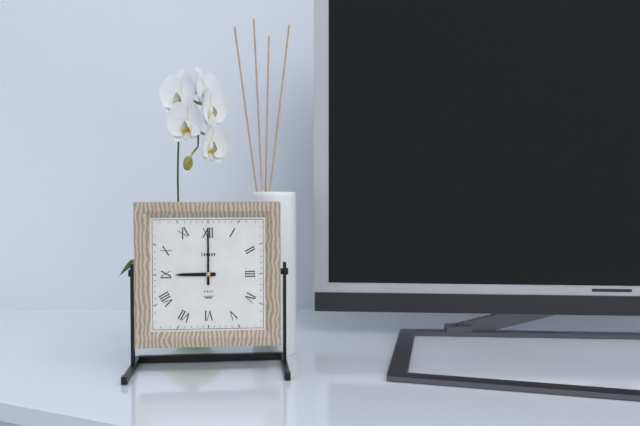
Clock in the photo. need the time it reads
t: 9:00
